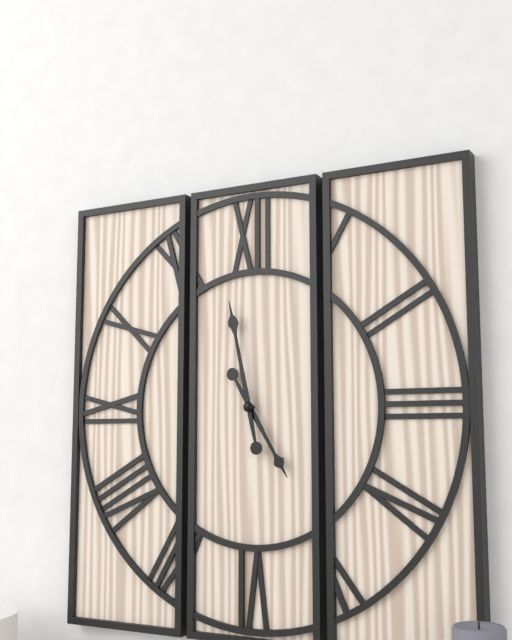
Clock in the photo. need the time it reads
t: 4:58
